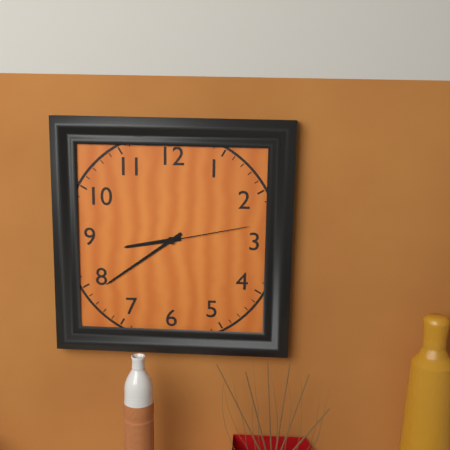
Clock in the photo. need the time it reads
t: 8:39:13
